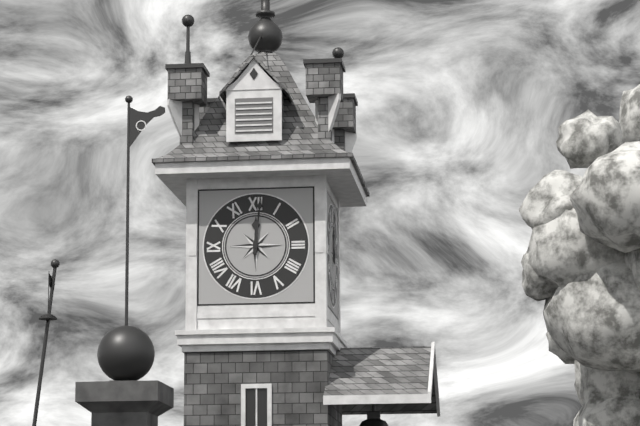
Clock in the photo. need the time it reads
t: 12:01
